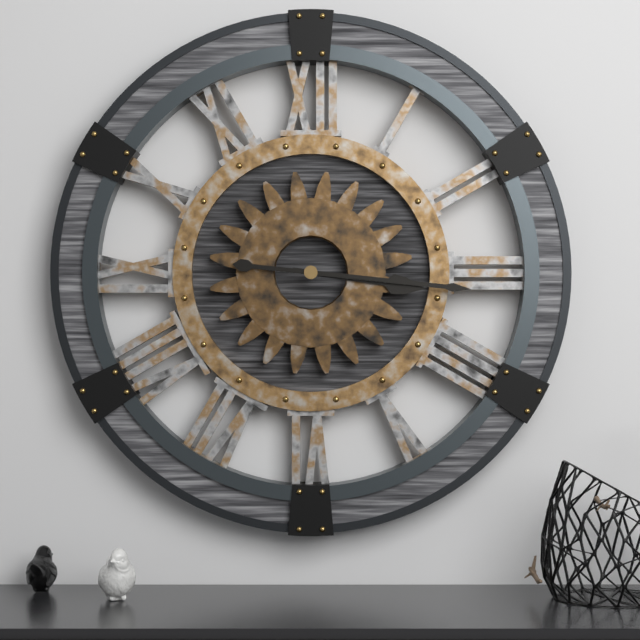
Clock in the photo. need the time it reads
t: 3:16
